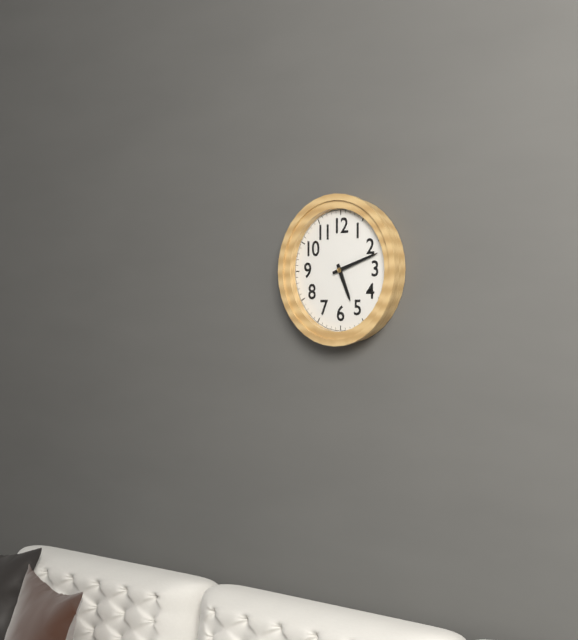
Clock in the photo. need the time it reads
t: 5:12
